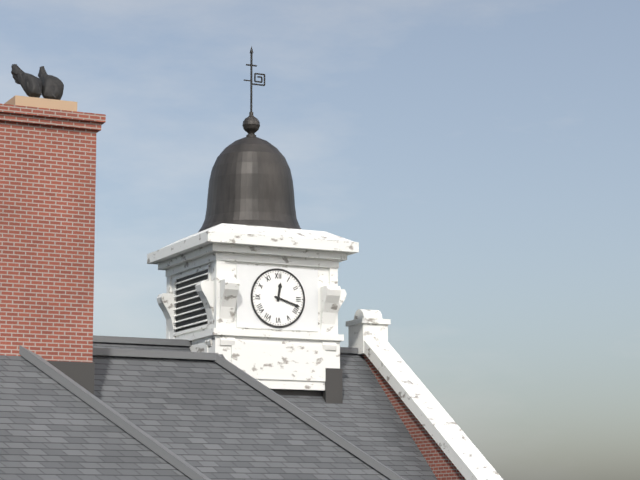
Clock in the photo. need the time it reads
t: 12:18
